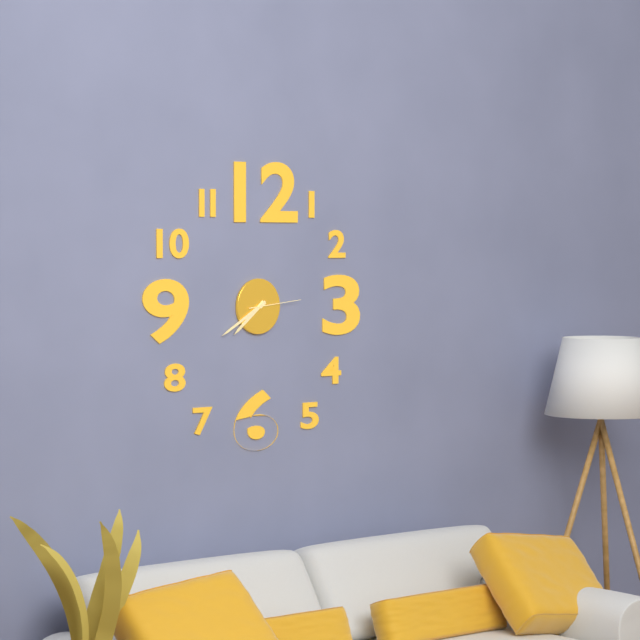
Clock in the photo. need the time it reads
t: 7:40:14
